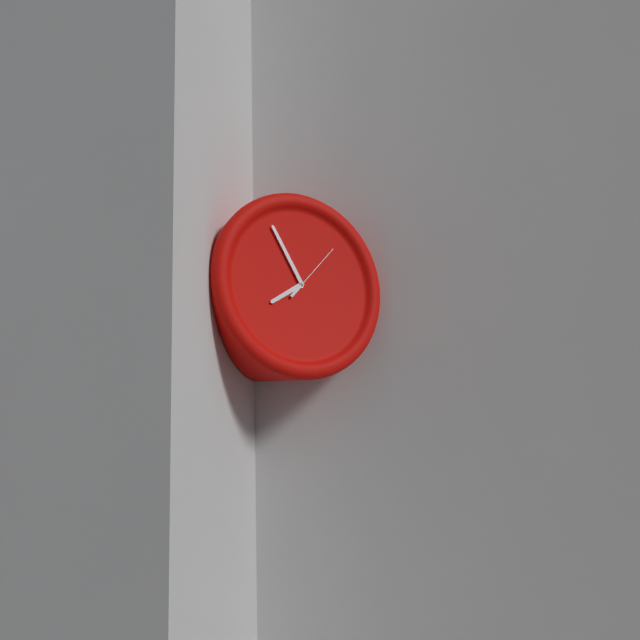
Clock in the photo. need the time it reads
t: 7:55:07
